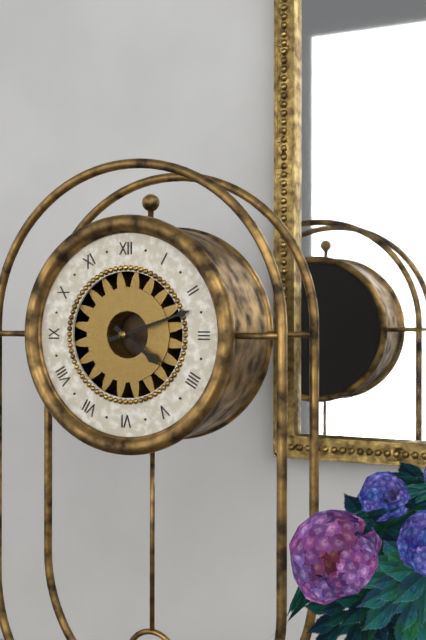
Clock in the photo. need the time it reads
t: 4:12
